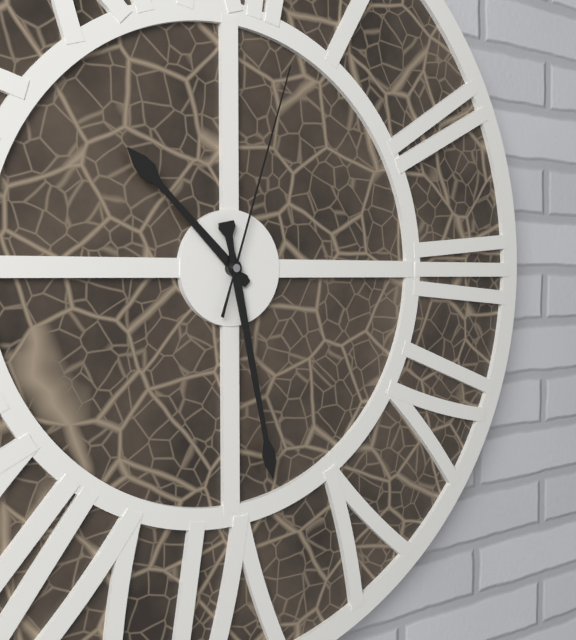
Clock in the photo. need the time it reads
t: 10:28:03
